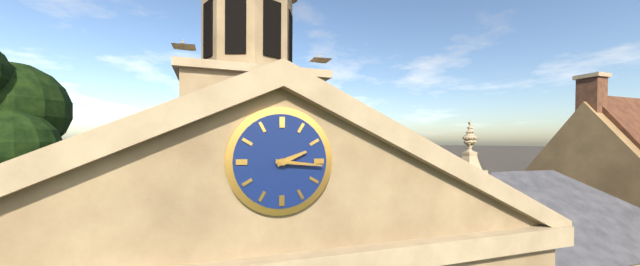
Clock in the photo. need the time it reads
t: 2:16
